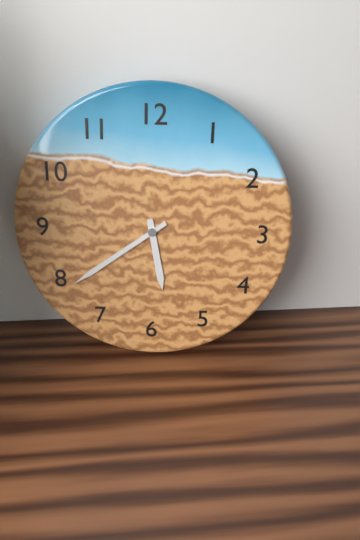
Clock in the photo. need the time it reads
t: 5:39
